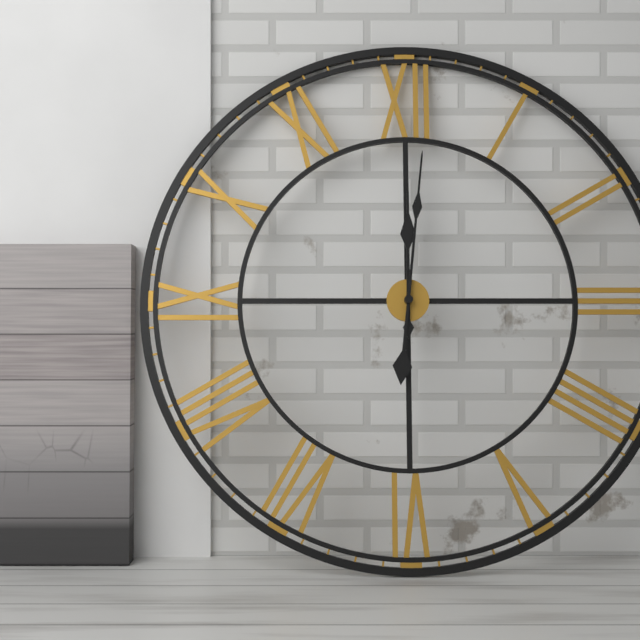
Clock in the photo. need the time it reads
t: 12:01
